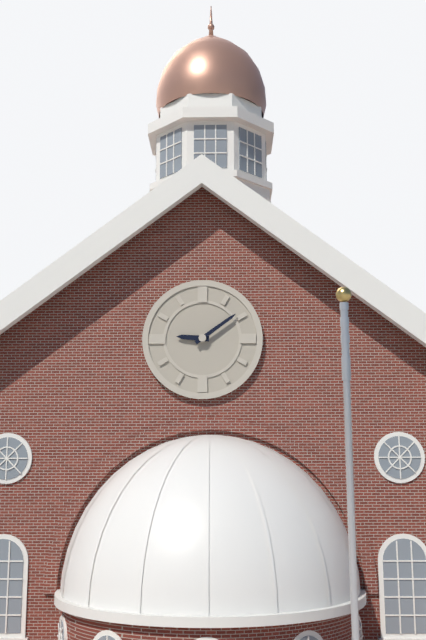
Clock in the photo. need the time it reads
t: 9:09
